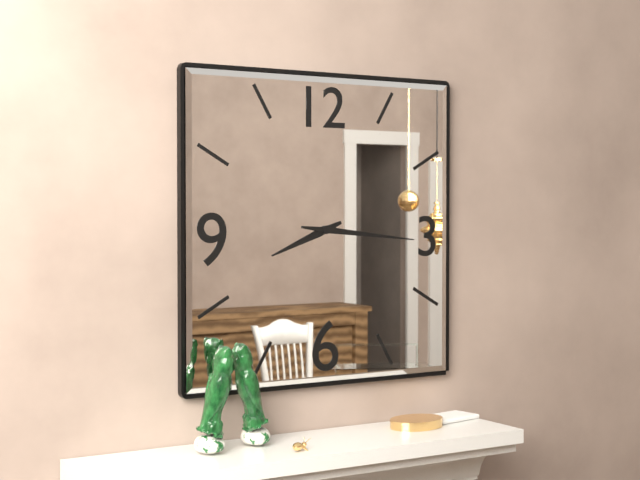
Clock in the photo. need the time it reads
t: 8:16
